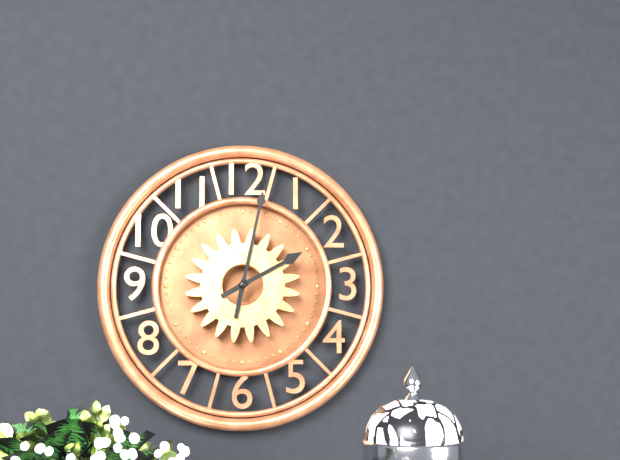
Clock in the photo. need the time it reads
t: 2:02
